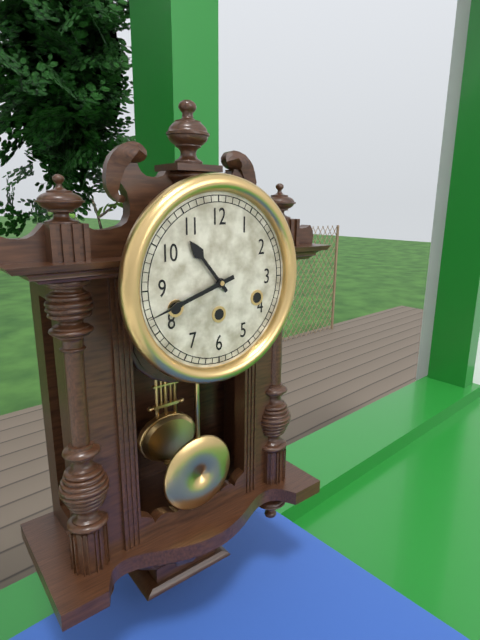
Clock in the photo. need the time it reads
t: 10:42
